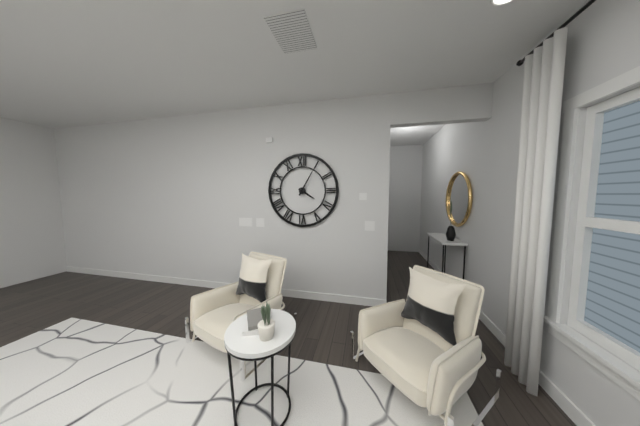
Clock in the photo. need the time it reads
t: 4:05
